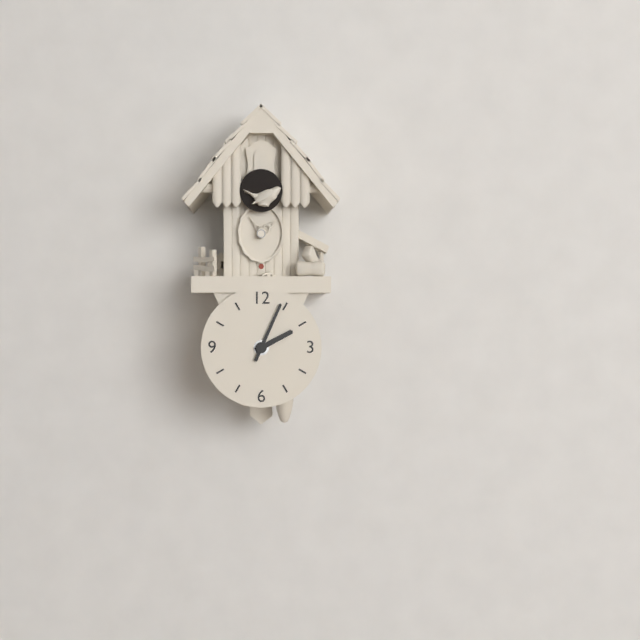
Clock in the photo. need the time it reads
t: 2:04
